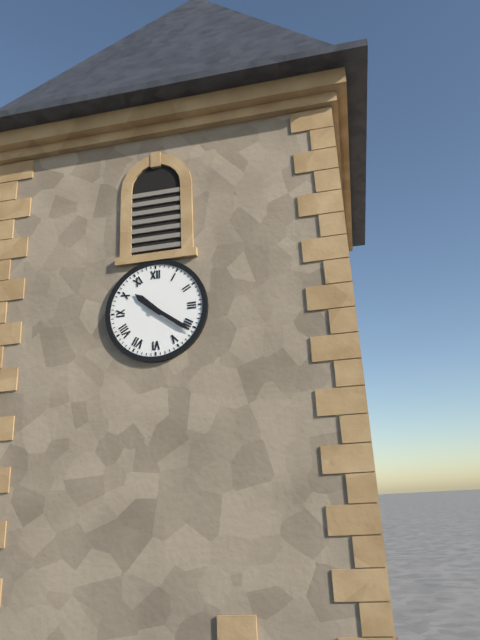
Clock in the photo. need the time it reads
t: 10:21
